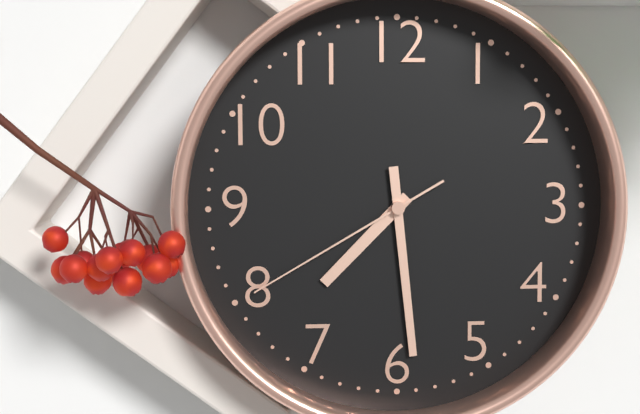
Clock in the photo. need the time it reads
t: 7:29:40
